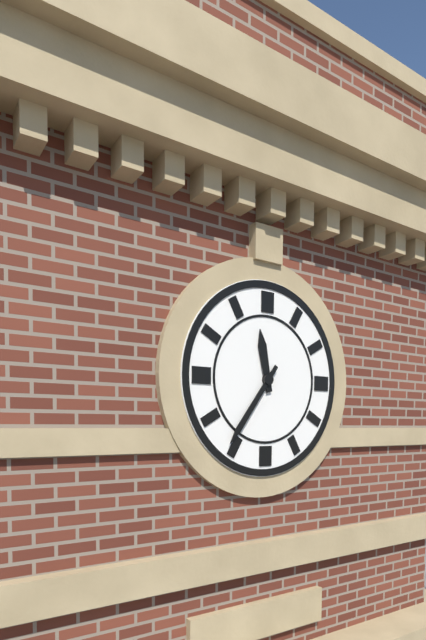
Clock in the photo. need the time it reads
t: 11:36
